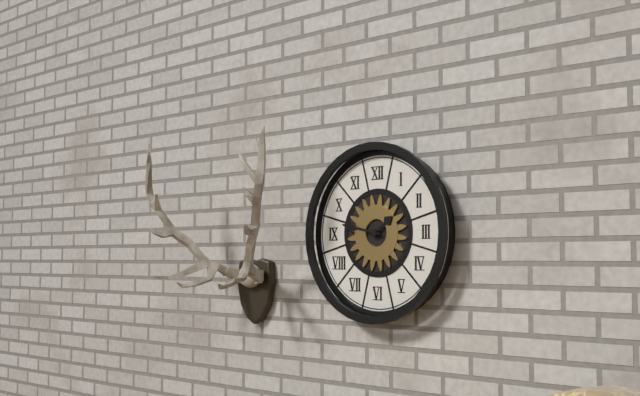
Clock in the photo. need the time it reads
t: 1:47
